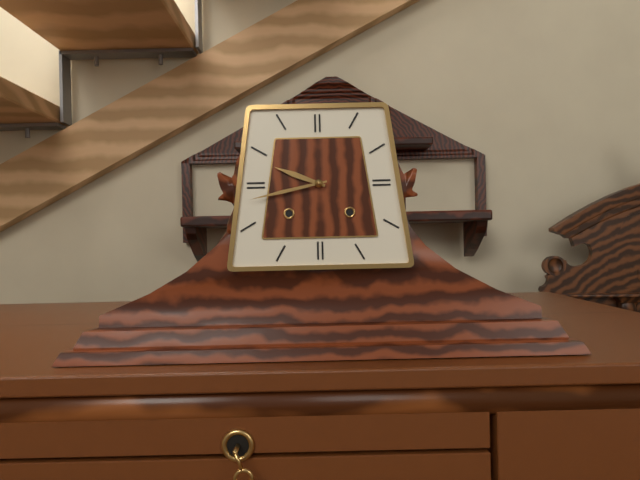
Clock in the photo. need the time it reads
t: 9:43
